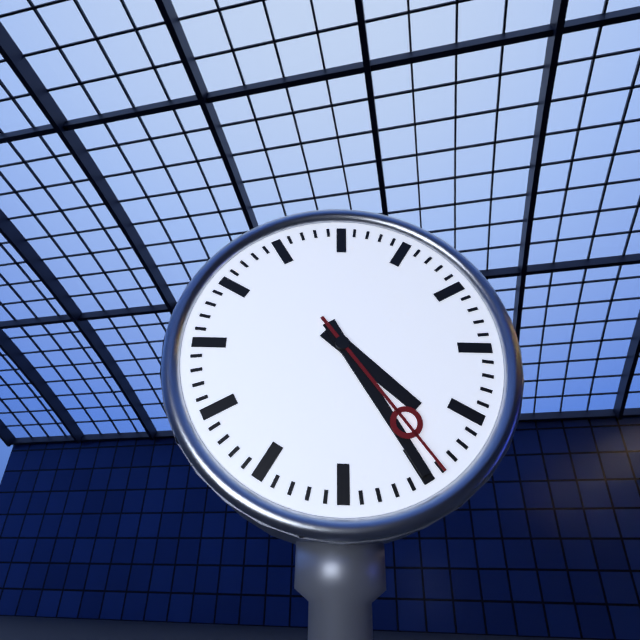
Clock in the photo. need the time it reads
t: 4:25:24
